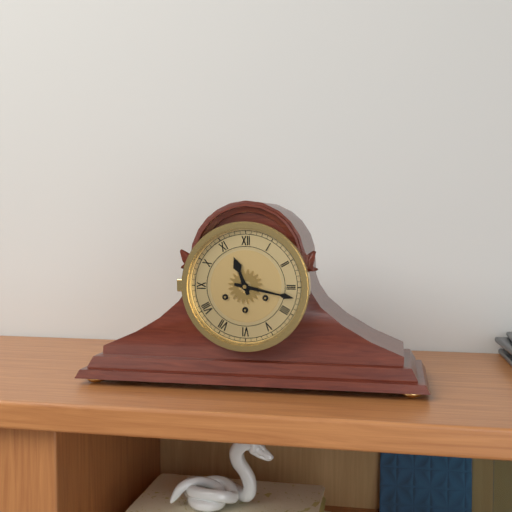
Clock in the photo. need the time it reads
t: 11:17
